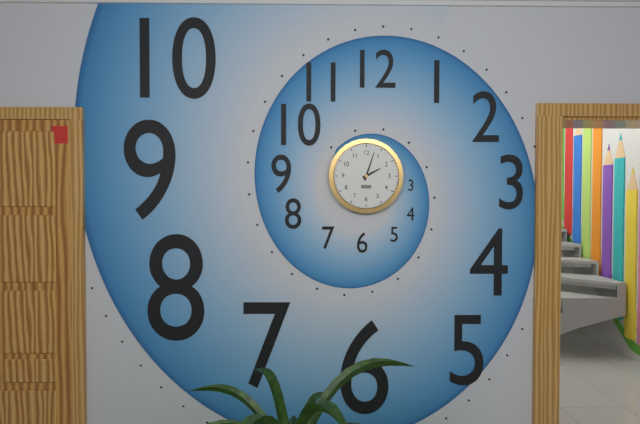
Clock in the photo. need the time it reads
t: 2:03
